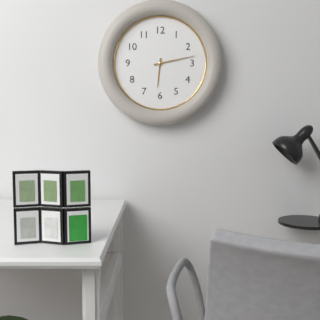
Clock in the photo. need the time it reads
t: 6:13
